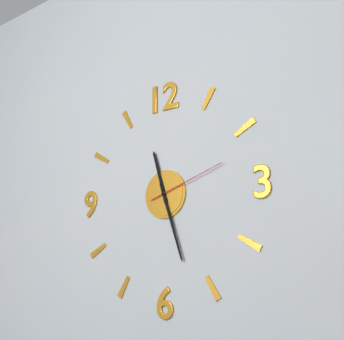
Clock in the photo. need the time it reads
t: 11:27:12
